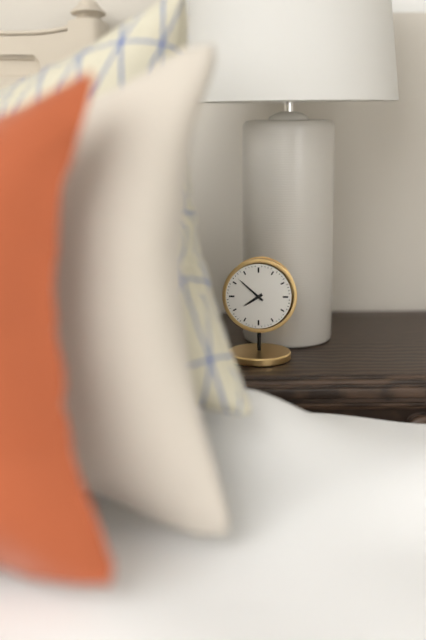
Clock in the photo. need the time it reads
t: 7:52
